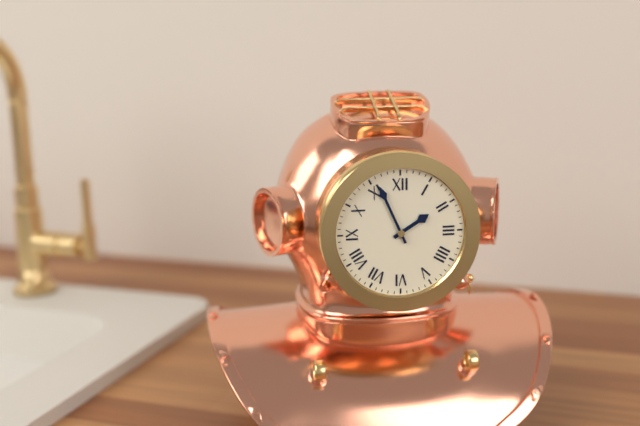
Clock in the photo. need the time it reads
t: 1:56
